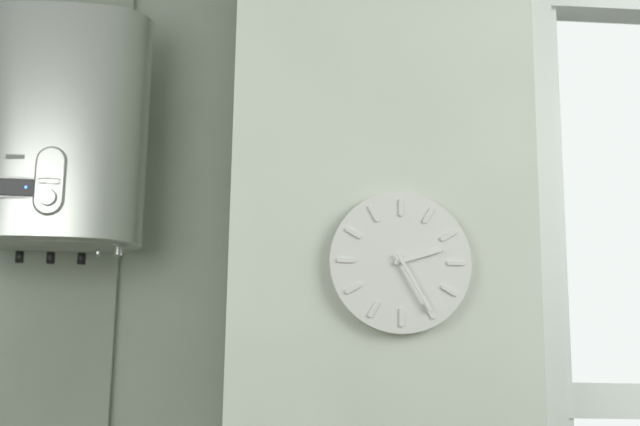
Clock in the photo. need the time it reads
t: 2:25
